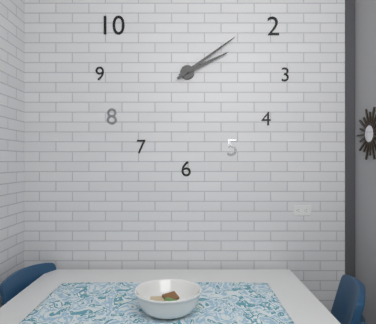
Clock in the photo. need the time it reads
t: 2:09
